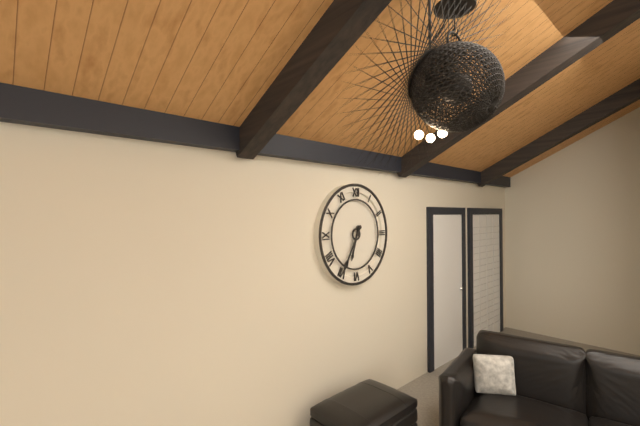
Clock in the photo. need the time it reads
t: 6:35
